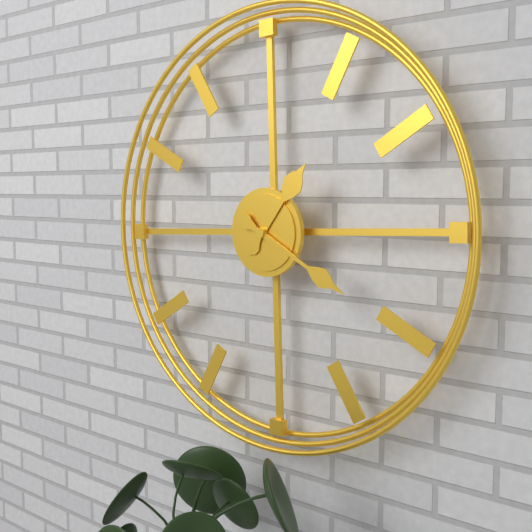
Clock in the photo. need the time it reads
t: 1:20
